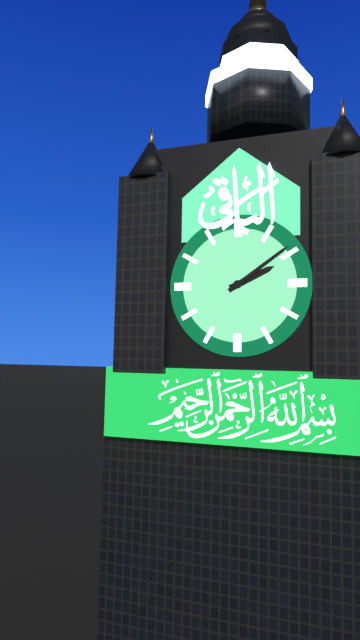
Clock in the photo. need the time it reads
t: 2:09
